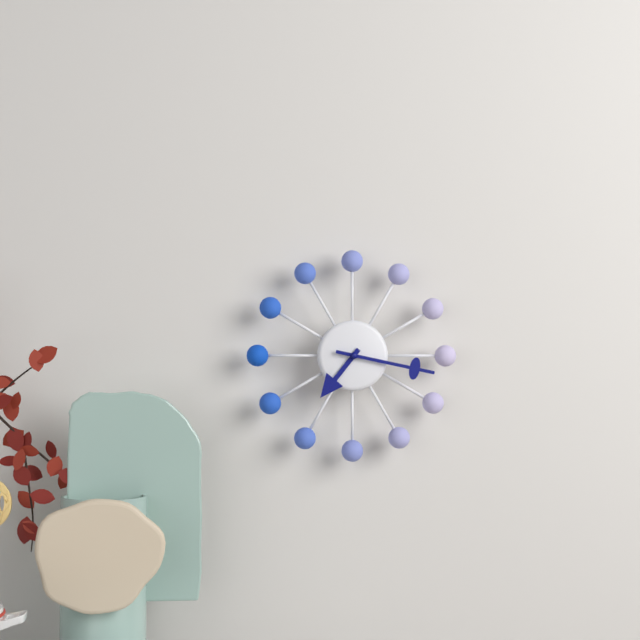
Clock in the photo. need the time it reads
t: 7:17
